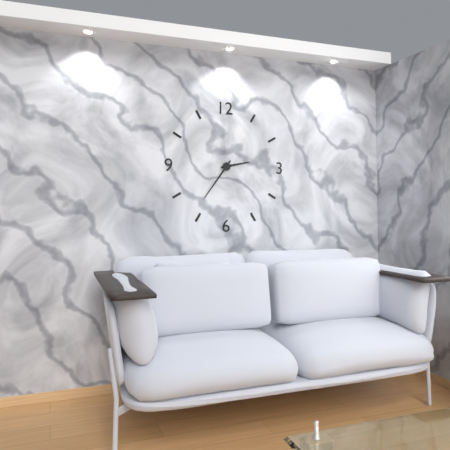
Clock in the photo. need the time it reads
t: 2:36
